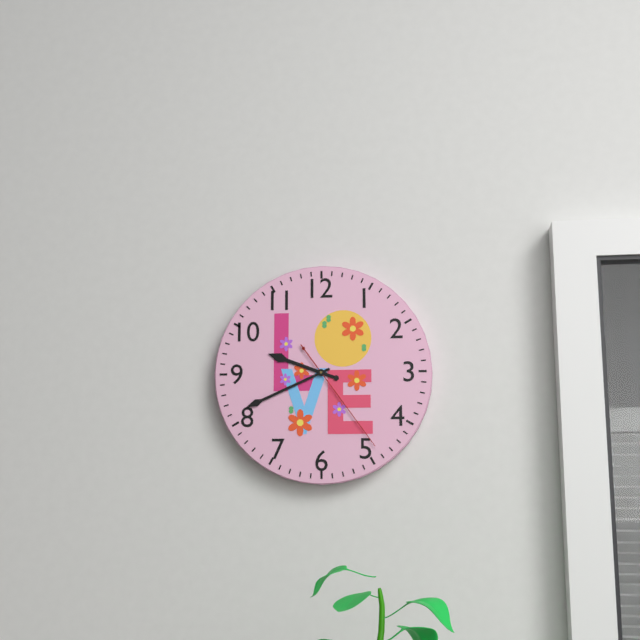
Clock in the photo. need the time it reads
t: 9:41:24
